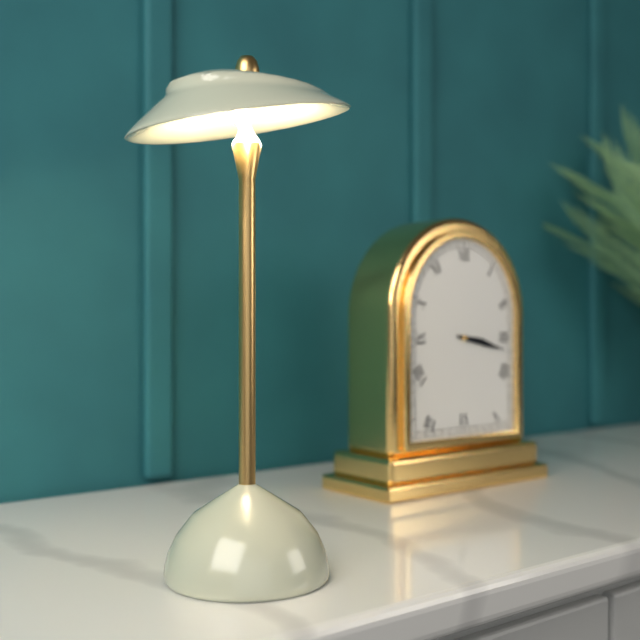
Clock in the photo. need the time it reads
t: 3:17
